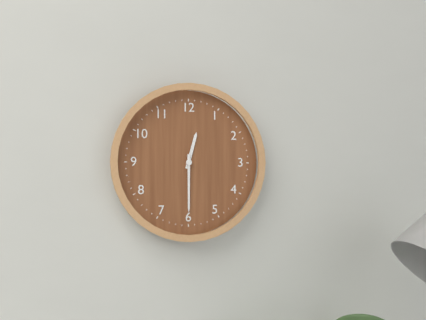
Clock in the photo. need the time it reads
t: 12:30
